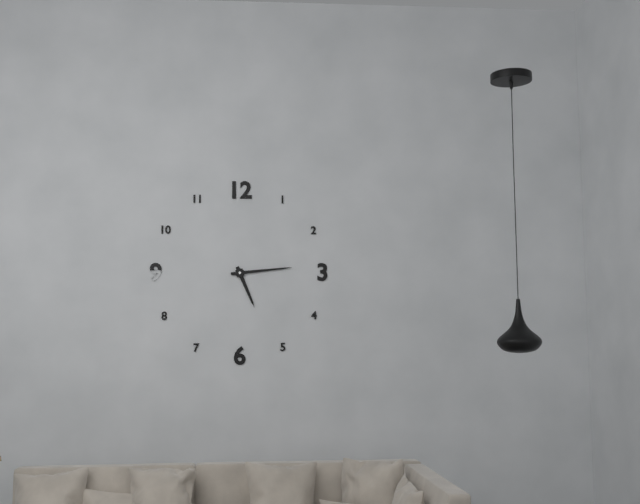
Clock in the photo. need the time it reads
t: 5:14
